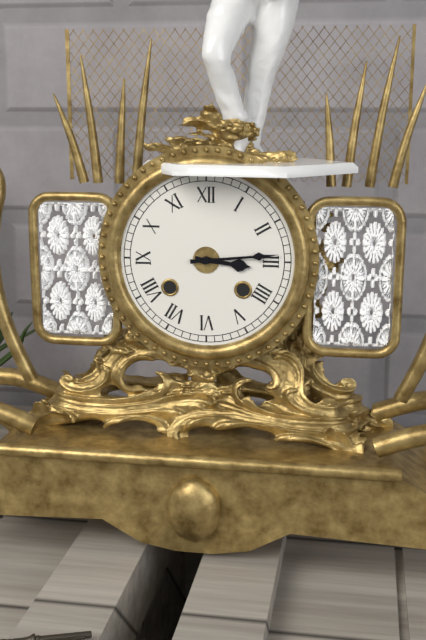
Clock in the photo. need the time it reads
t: 3:14
